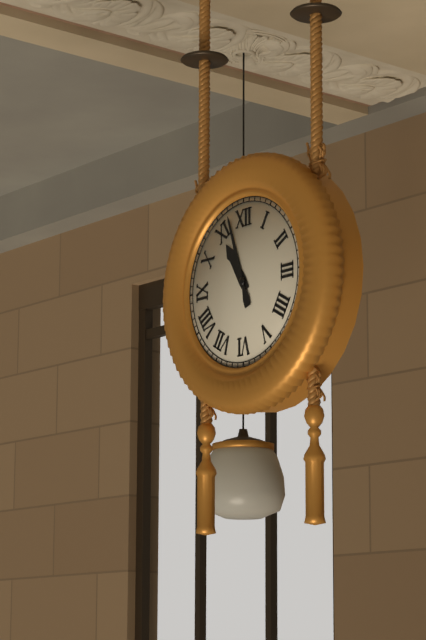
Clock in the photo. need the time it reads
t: 10:57
